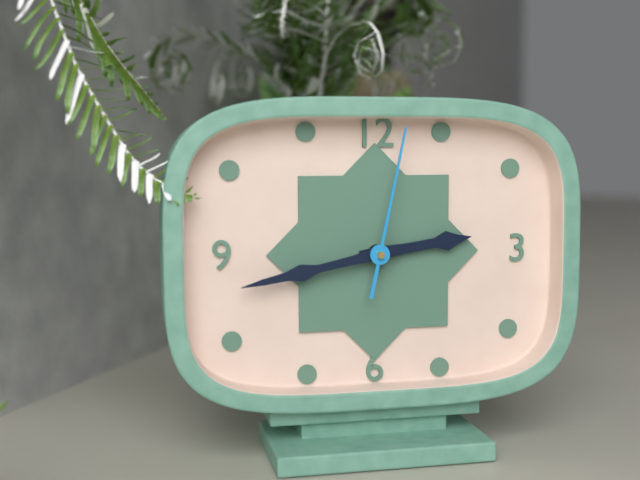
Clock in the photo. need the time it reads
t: 2:43:02
